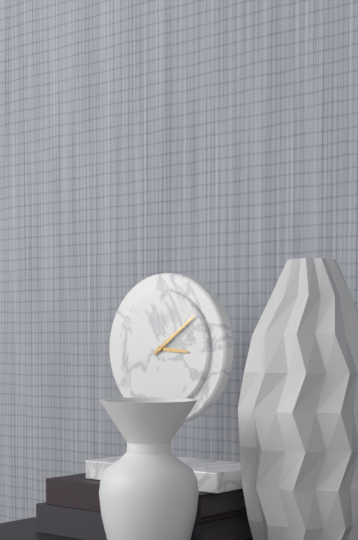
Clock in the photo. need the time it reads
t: 3:09
